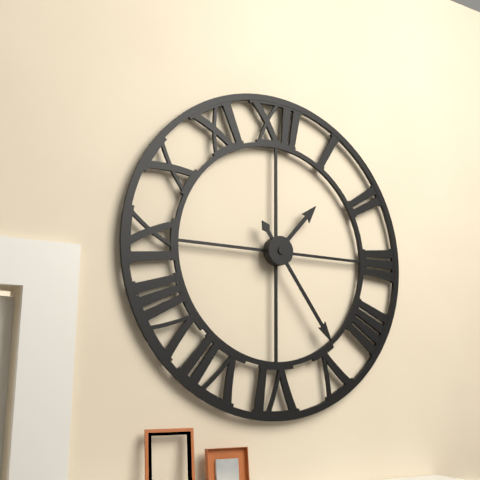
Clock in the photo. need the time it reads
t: 1:24
